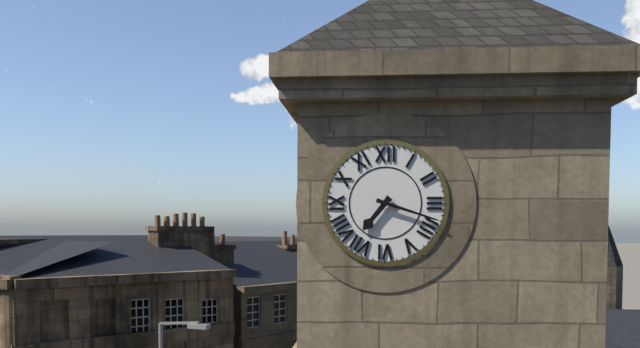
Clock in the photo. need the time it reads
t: 7:18
